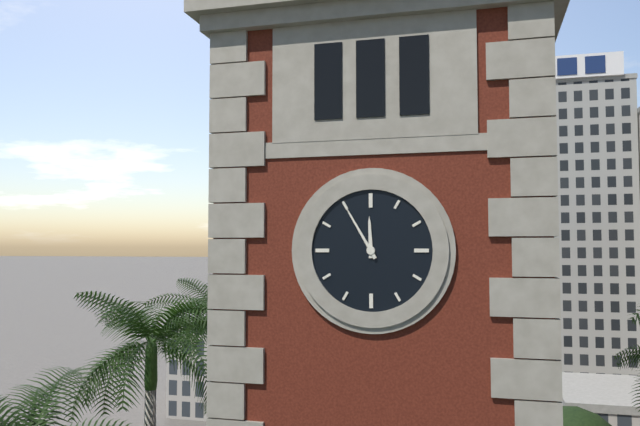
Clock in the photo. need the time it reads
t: 11:55
